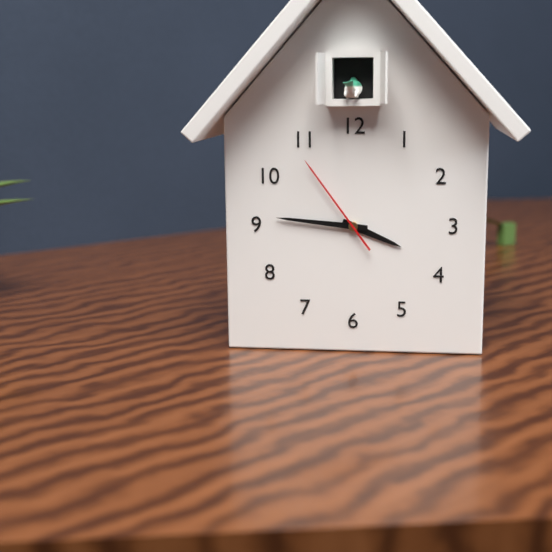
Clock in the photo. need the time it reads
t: 3:46:54
